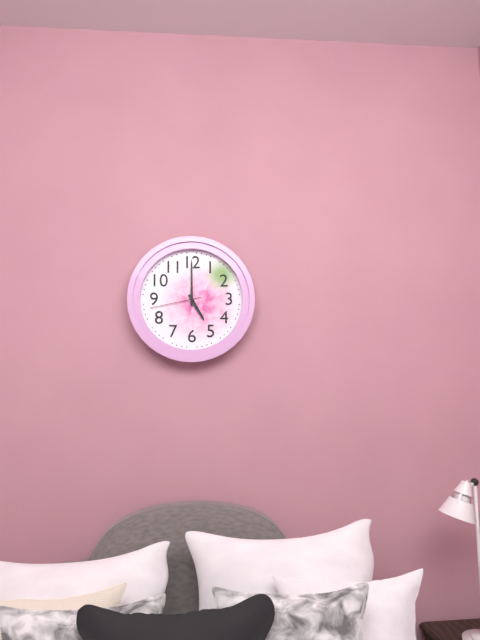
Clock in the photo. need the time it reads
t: 5:00:43
